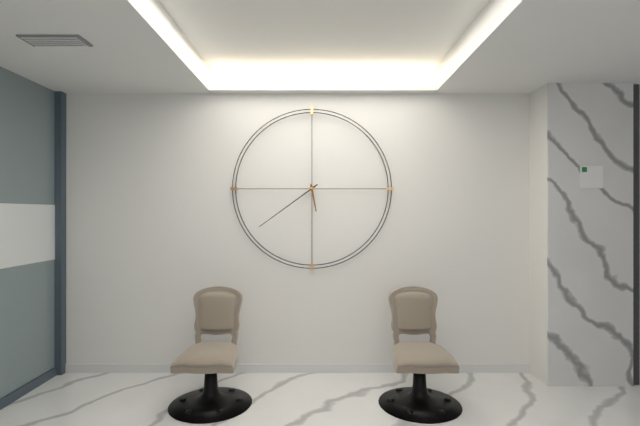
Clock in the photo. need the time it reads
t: 5:39
